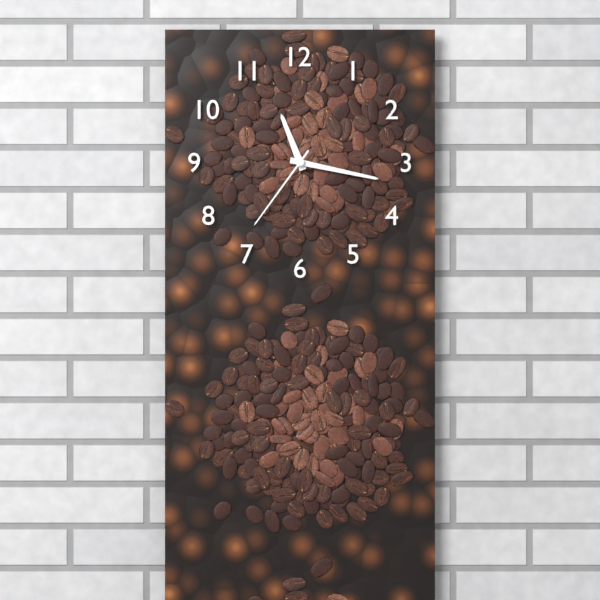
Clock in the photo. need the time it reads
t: 11:17:36
